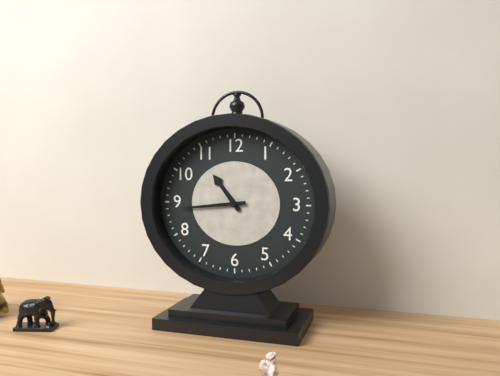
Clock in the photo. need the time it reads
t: 10:44
